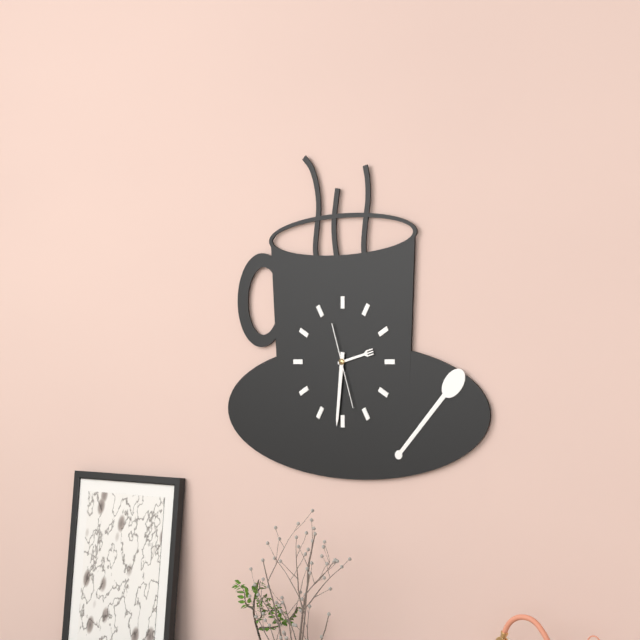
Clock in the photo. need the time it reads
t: 2:31:27
